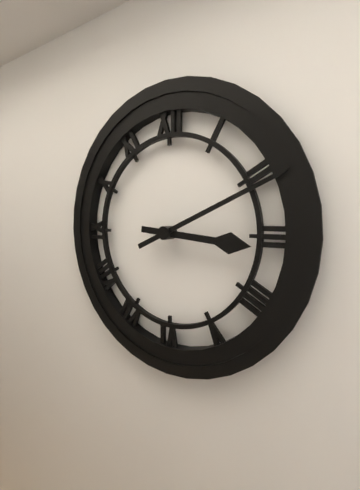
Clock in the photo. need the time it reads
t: 3:11
